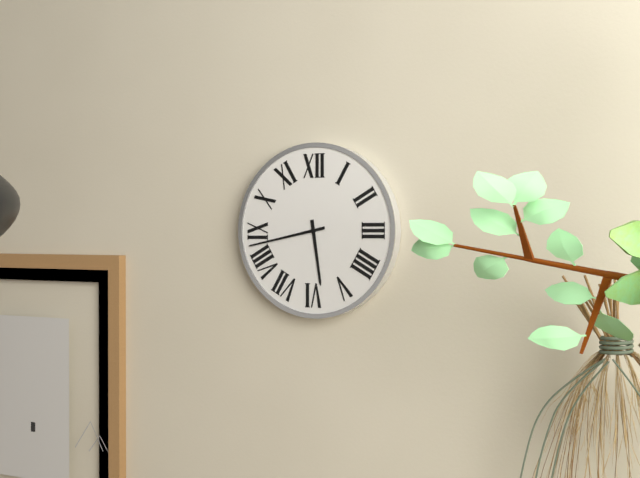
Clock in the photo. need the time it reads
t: 5:43
